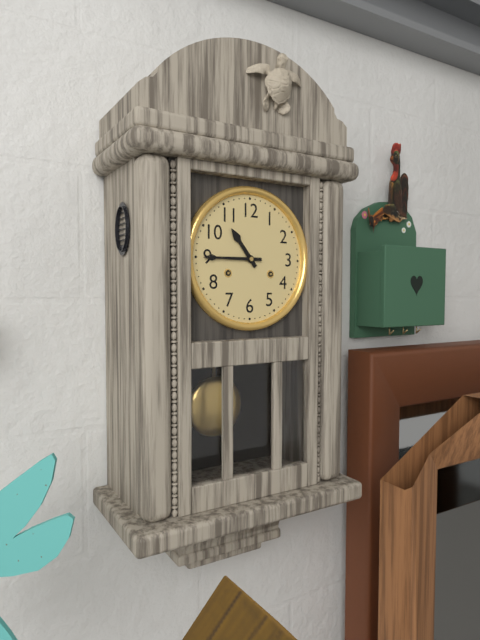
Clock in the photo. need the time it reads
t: 10:45
